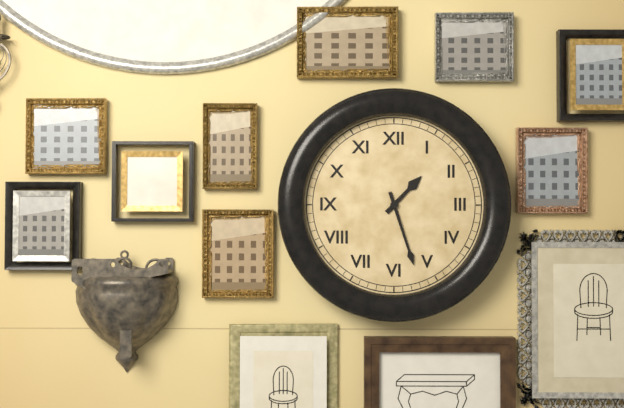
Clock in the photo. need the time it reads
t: 1:27
